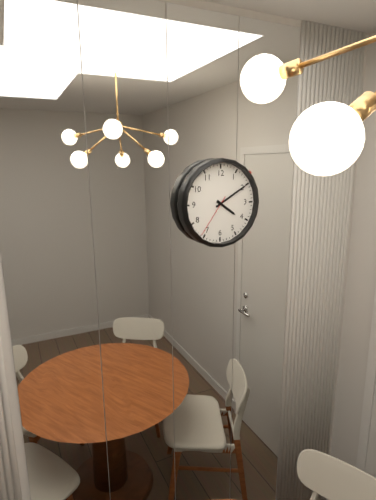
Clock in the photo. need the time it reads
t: 4:10
